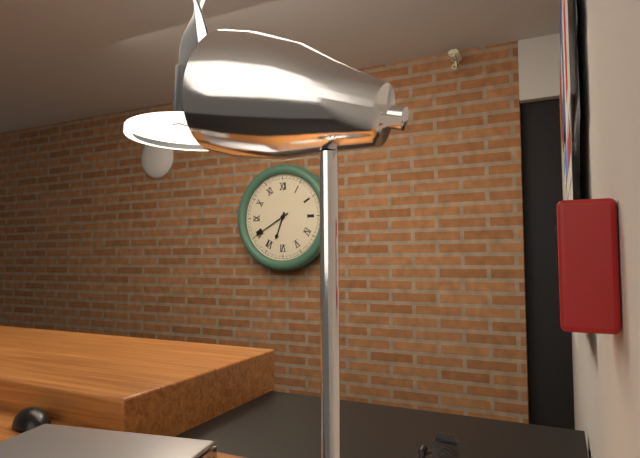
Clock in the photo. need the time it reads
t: 6:40
